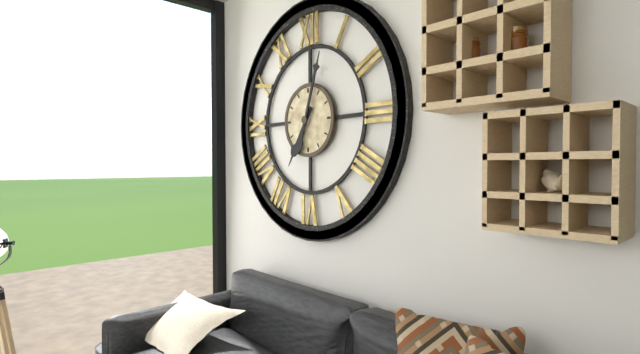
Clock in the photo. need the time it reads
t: 7:03
